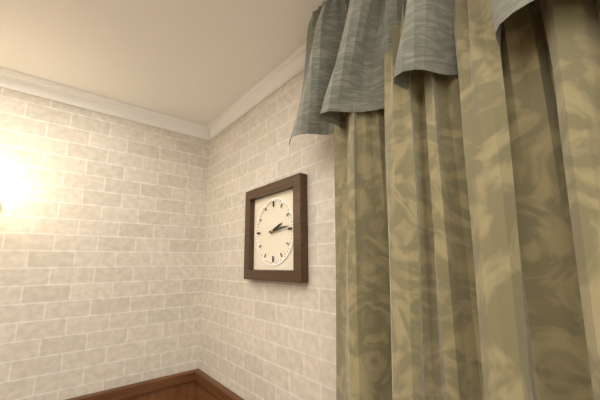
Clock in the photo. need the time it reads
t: 2:14
